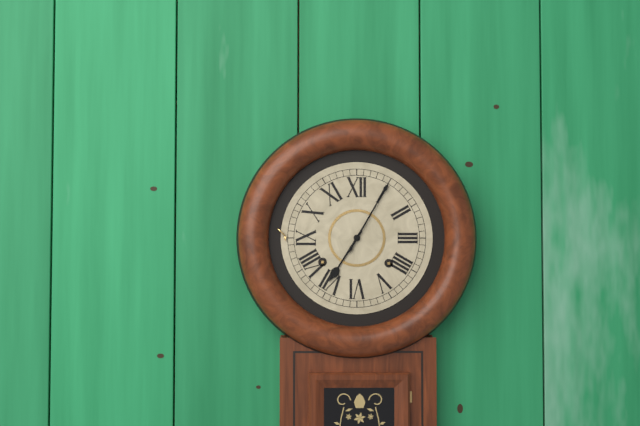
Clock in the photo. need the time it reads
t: 7:05
